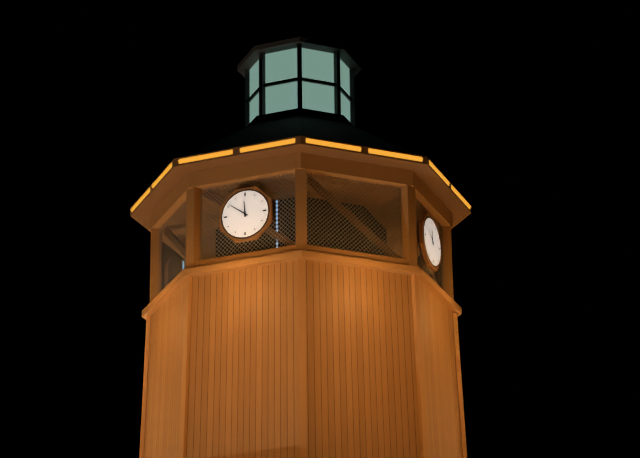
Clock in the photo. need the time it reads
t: 11:51
